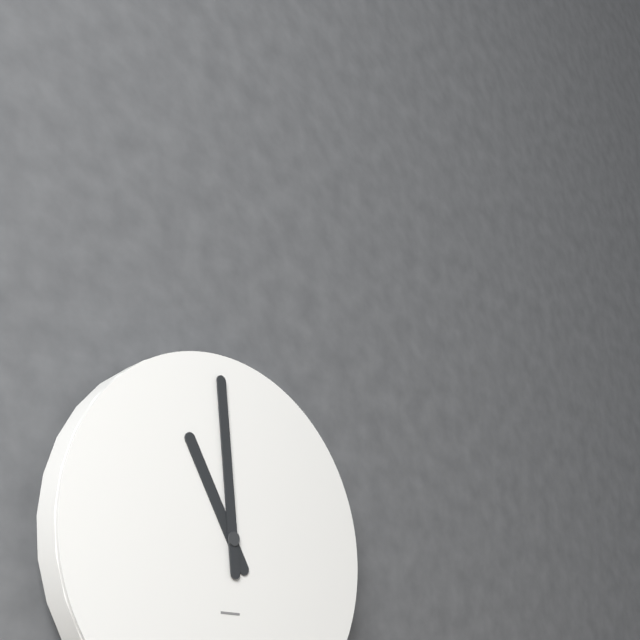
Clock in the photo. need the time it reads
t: 10:59
